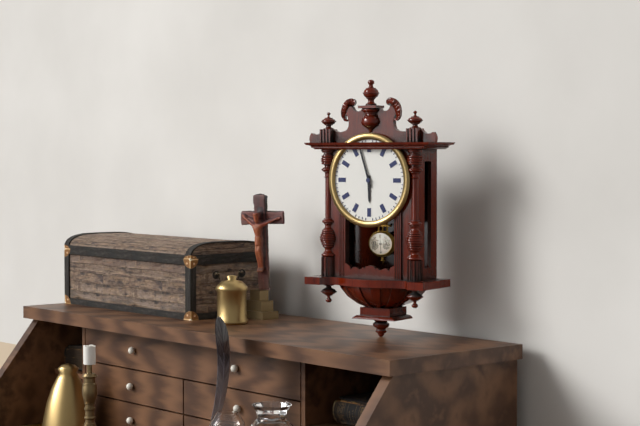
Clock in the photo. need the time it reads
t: 5:57
